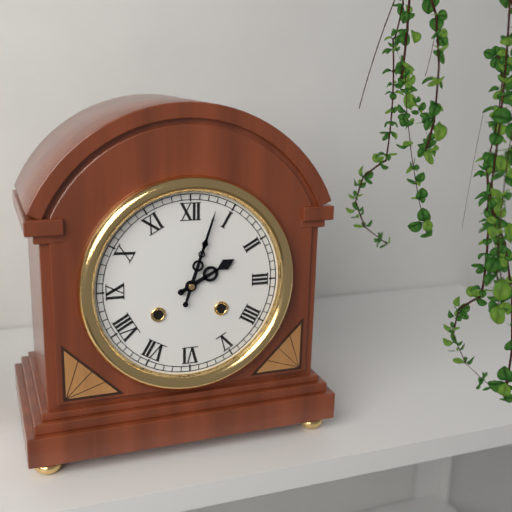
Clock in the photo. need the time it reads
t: 2:03
